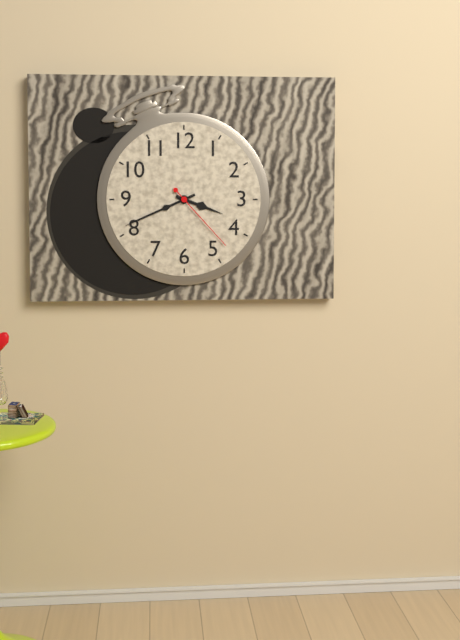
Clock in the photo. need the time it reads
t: 3:41:23
